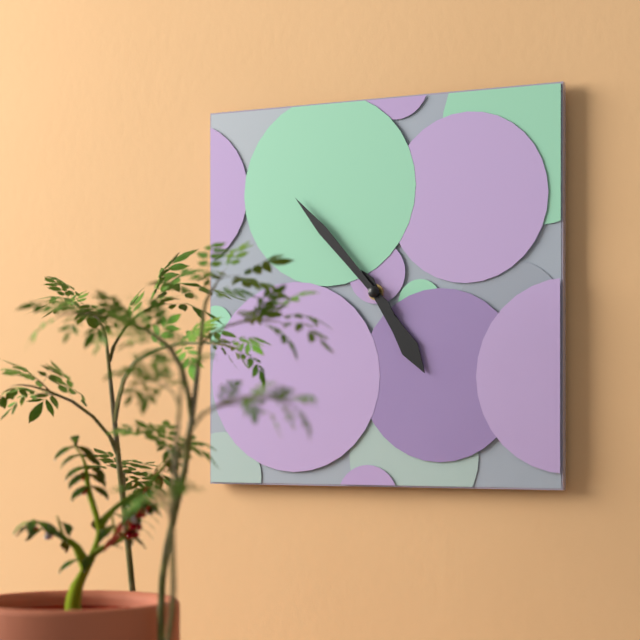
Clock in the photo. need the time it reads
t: 4:53
